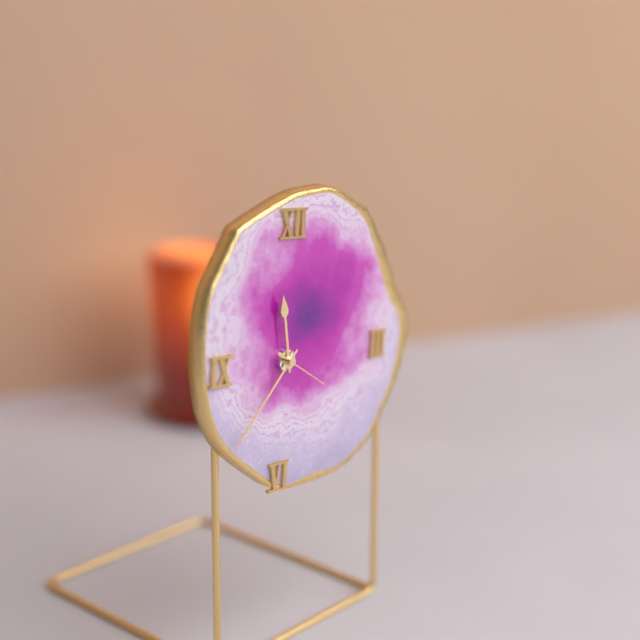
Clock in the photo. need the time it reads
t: 11:37:20
